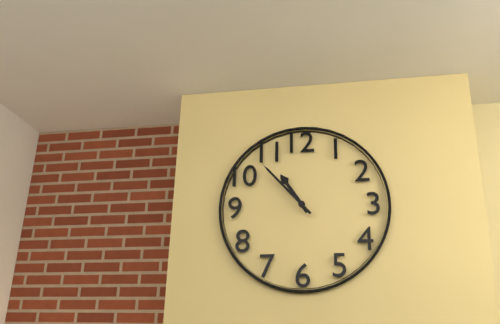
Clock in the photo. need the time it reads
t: 10:53
